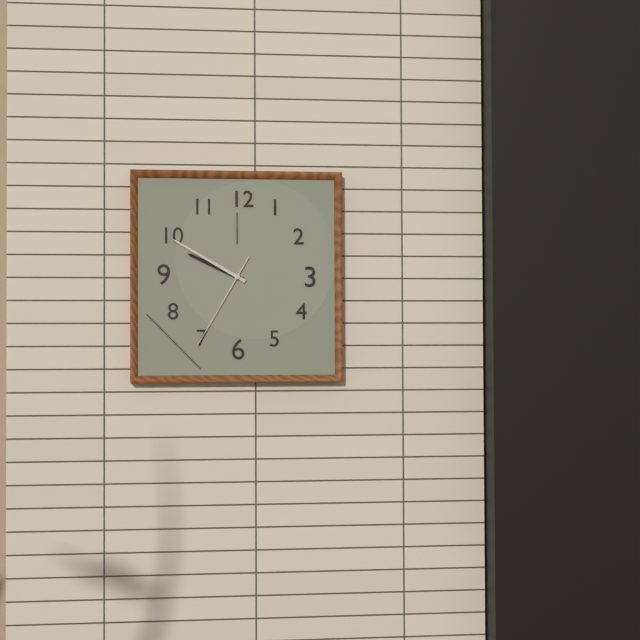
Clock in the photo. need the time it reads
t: 9:50:35
